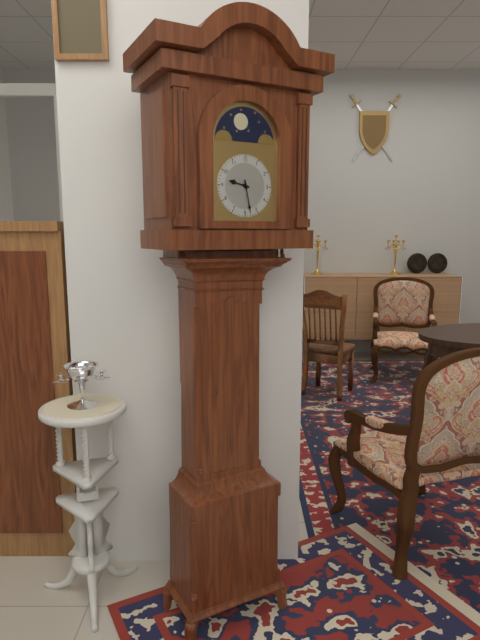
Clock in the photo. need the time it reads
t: 9:28
